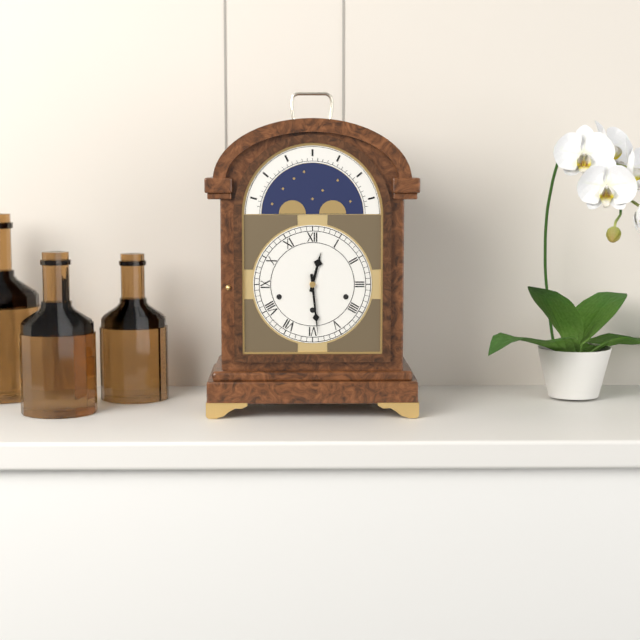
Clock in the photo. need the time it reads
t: 12:29
